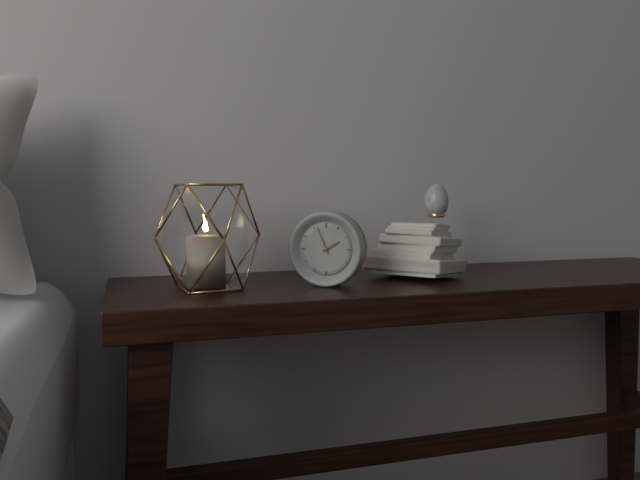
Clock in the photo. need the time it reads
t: 1:56
